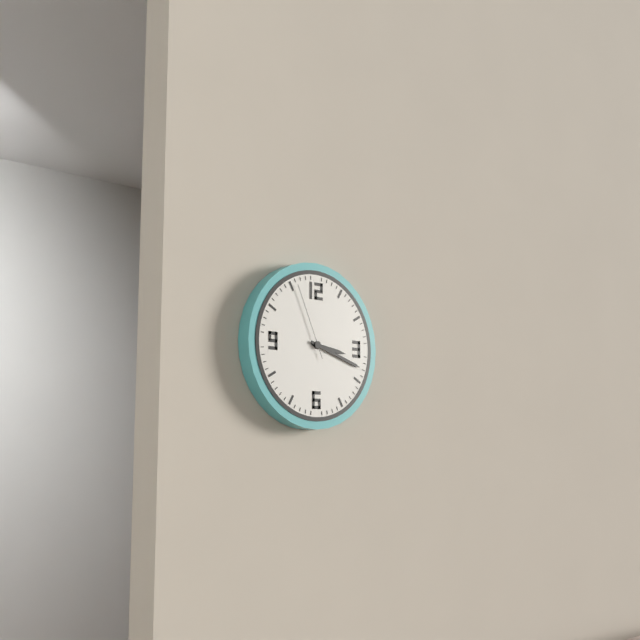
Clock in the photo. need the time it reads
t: 3:18:56
